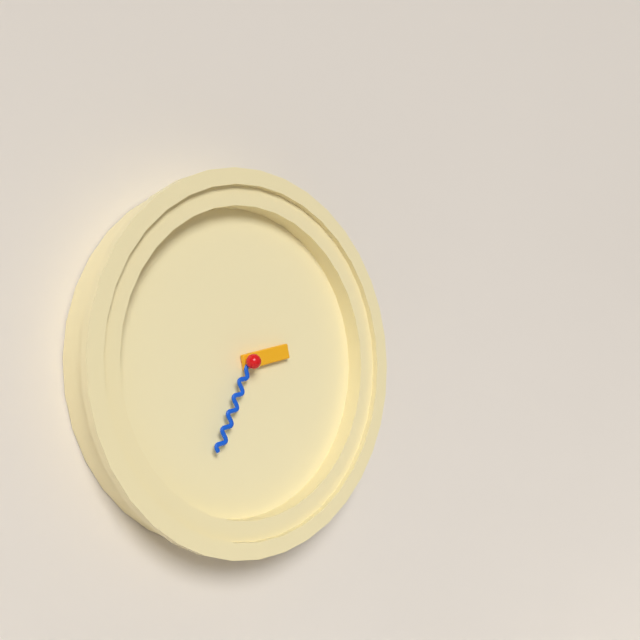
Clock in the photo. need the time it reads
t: 2:34
